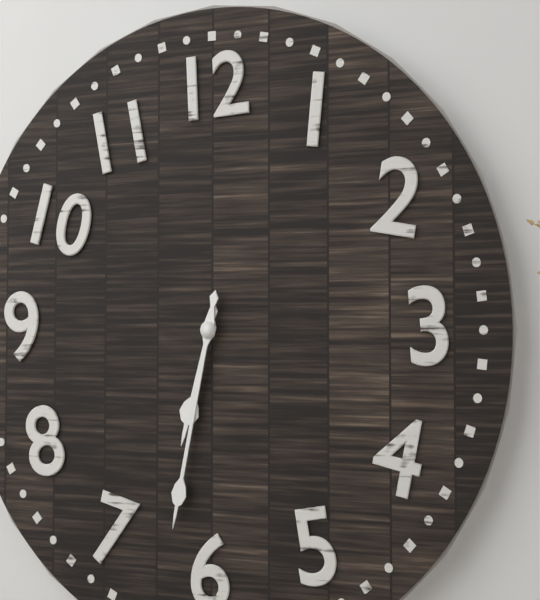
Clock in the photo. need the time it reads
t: 6:32
